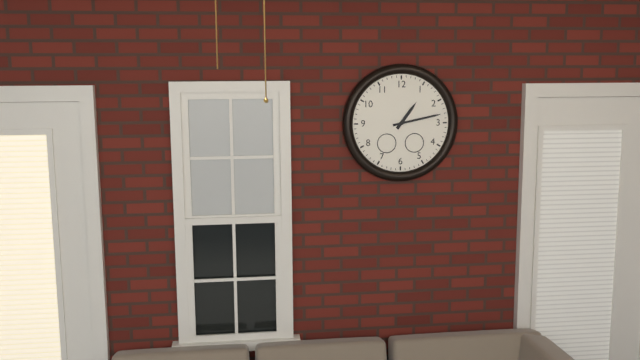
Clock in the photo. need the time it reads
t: 1:13
